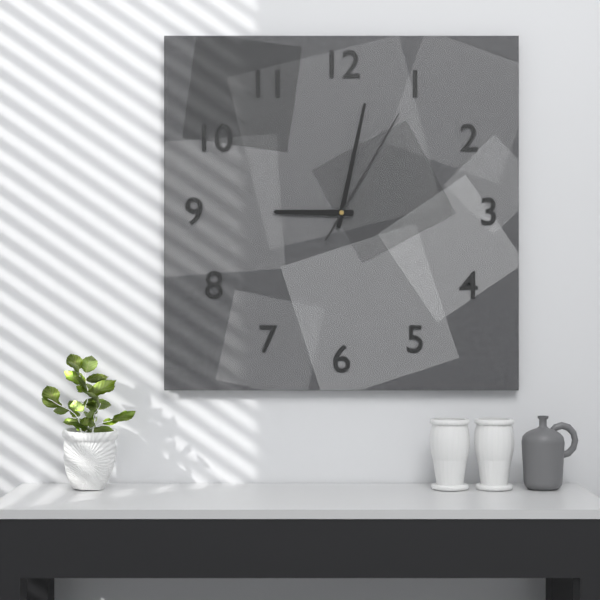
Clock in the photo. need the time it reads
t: 9:02:05
